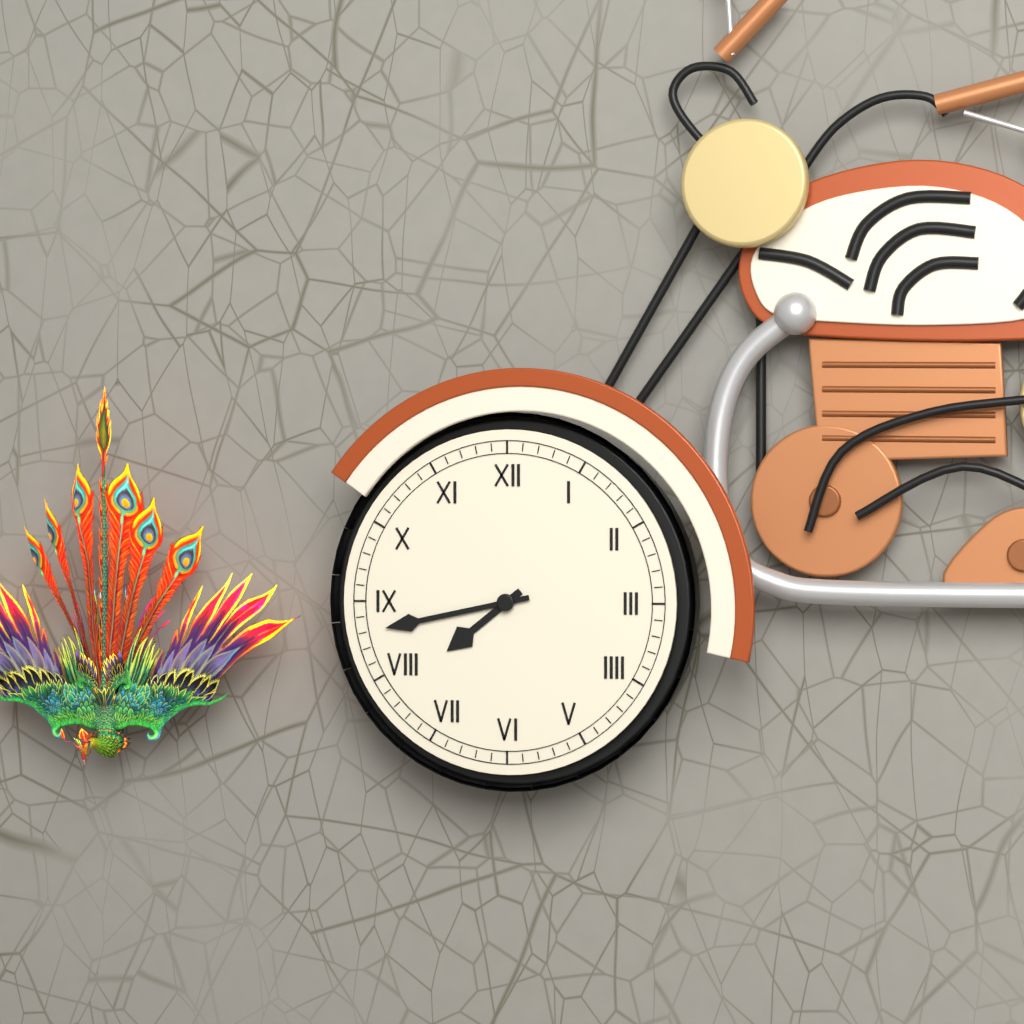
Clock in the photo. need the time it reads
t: 7:43
